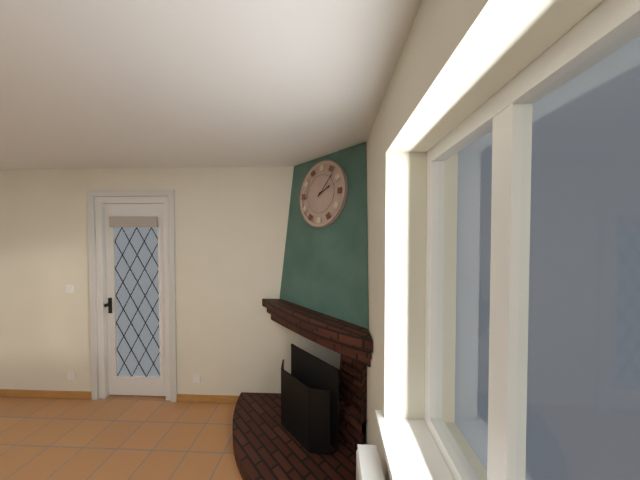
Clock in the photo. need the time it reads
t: 2:07
